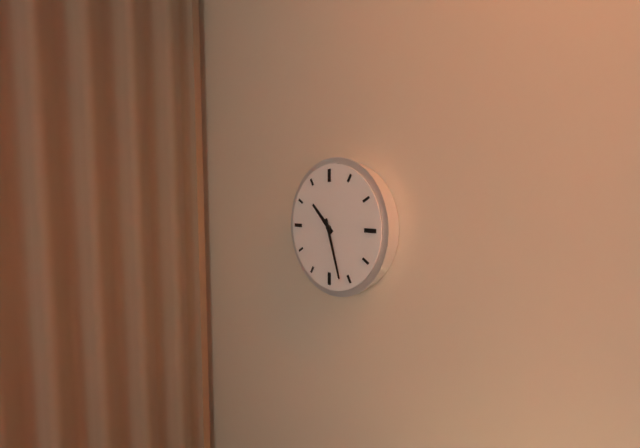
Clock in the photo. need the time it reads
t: 10:27
